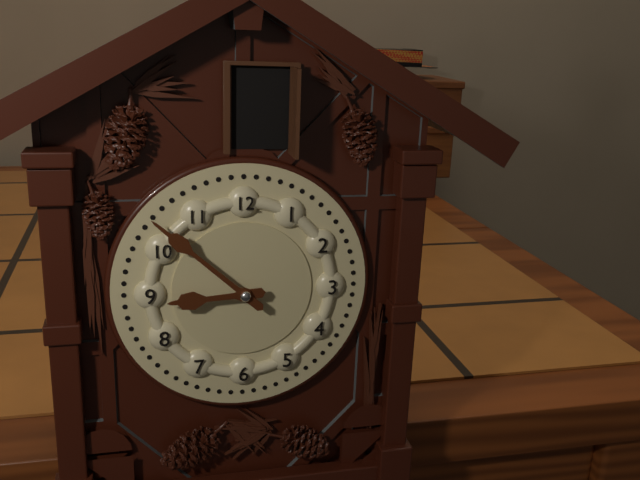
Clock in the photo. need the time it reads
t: 8:52
